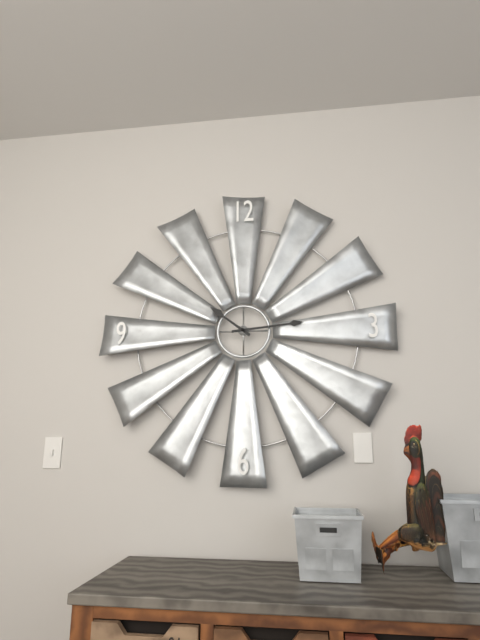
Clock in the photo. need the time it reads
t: 10:14
